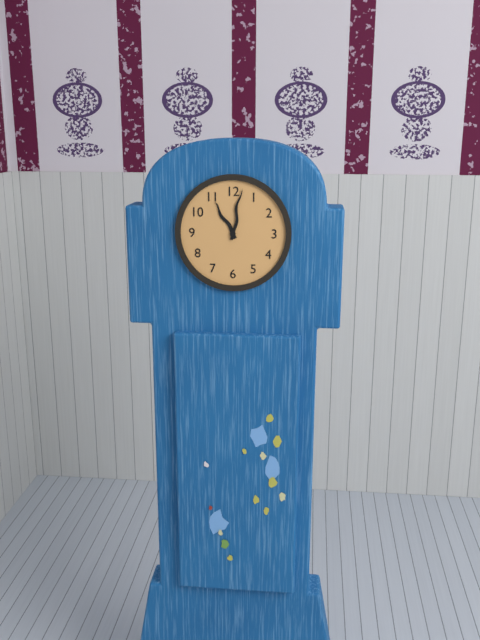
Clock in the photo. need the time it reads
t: 11:02
